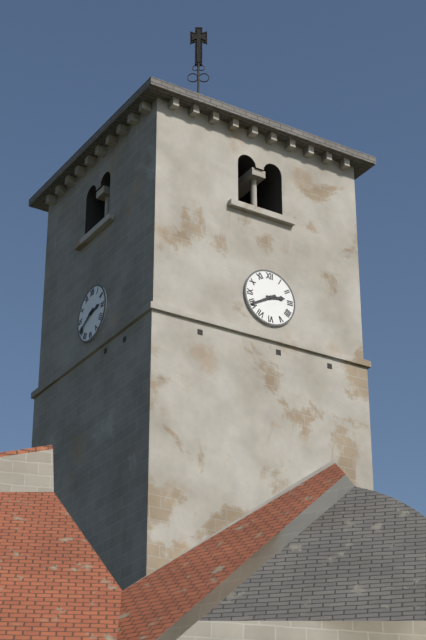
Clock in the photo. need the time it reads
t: 2:40
